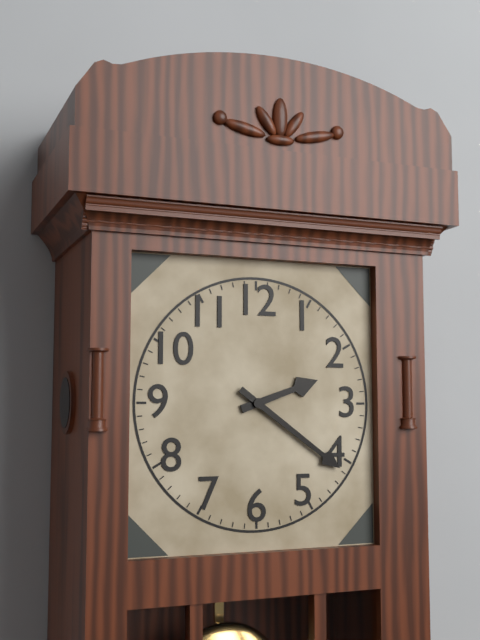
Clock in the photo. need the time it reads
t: 2:21
